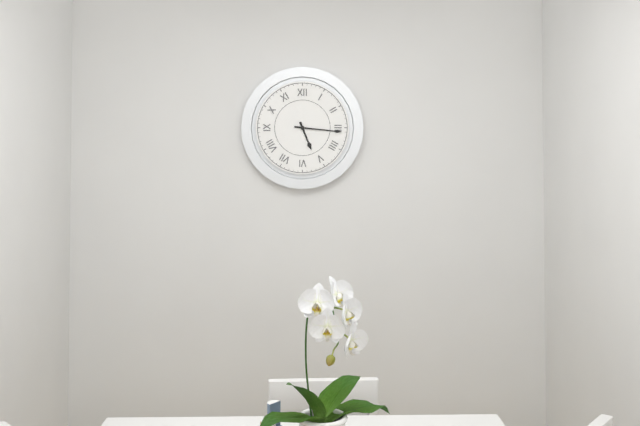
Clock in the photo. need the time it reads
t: 5:16
